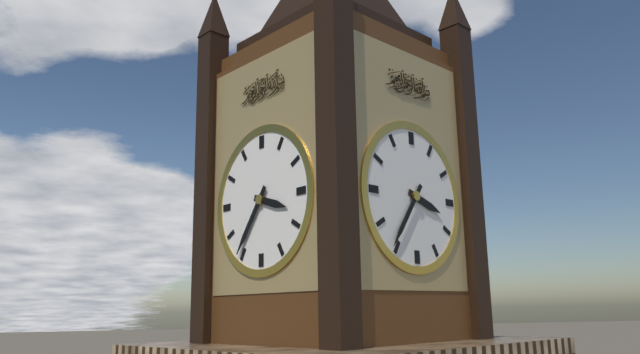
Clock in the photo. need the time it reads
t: 3:36
